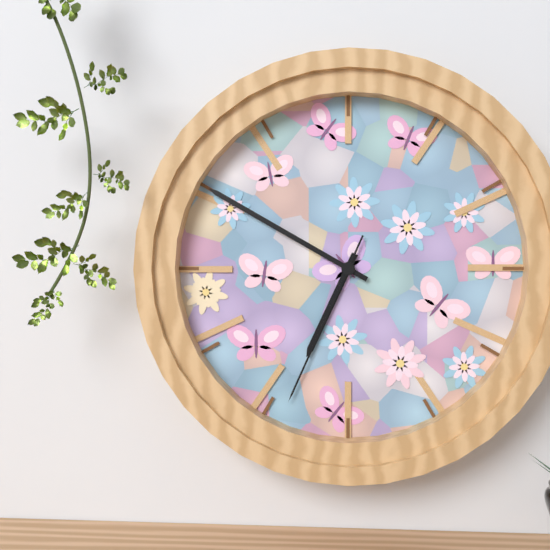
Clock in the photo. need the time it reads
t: 6:50:34
